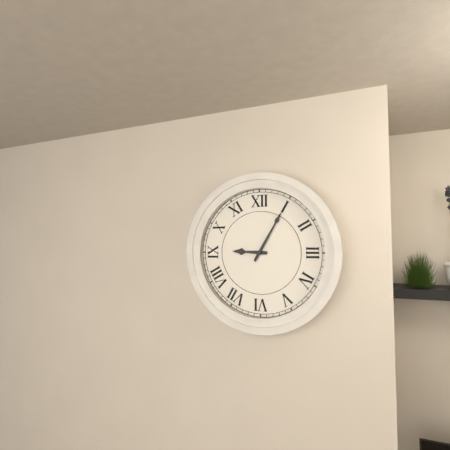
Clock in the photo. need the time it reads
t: 9:05
